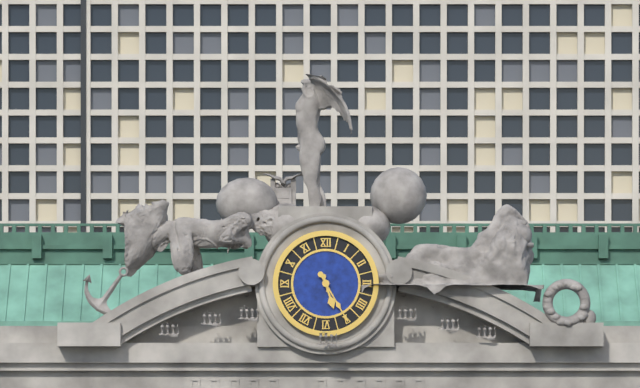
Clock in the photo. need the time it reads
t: 5:25
